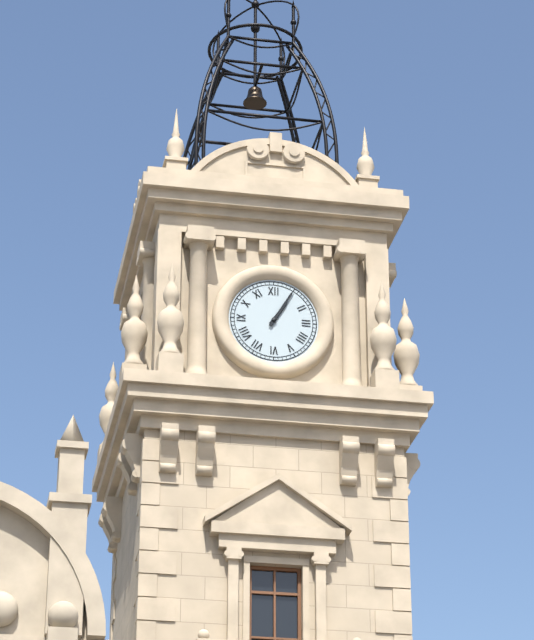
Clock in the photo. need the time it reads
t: 1:05
